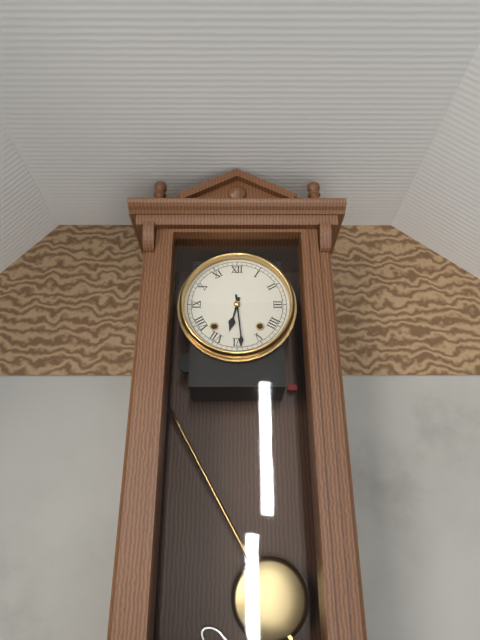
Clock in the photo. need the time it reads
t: 6:29
